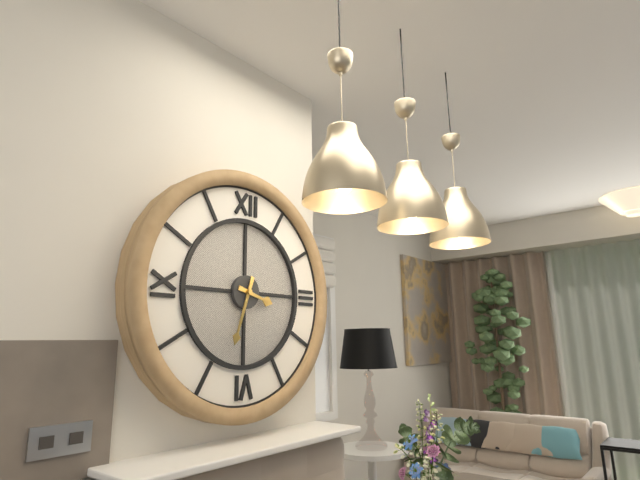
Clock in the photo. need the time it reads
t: 3:33
